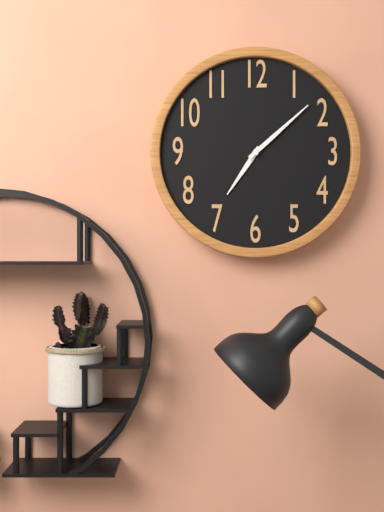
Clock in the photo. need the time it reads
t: 7:08
